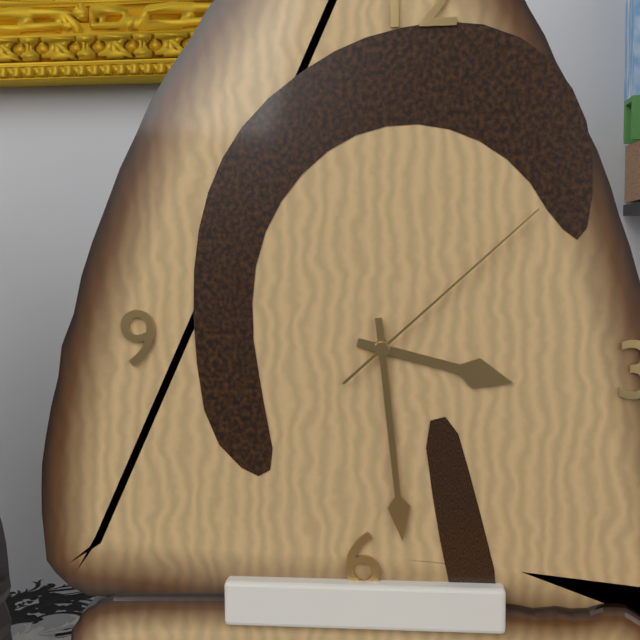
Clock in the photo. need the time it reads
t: 3:29:08
